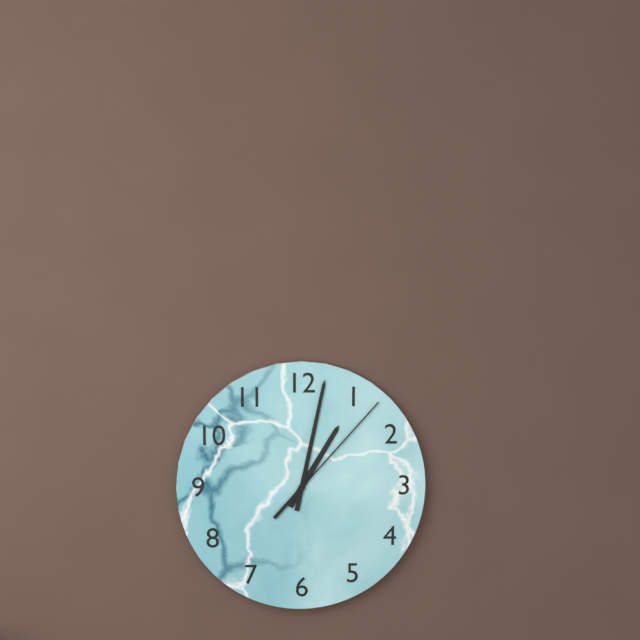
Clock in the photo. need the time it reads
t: 1:02:07
